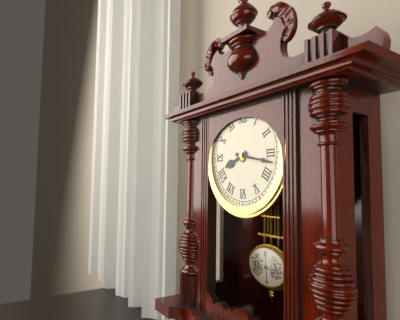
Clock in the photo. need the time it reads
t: 8:17
